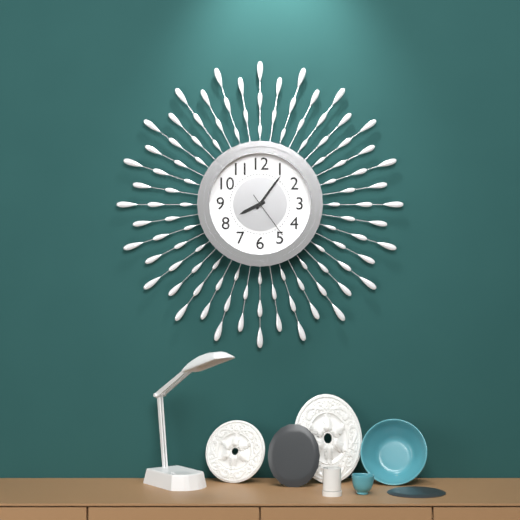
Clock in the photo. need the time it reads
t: 8:06
